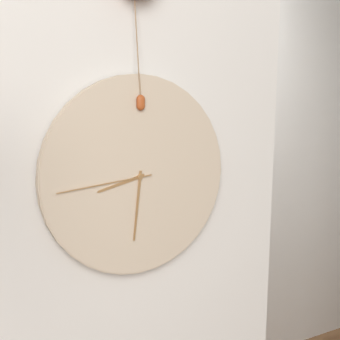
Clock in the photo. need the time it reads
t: 8:31:44
